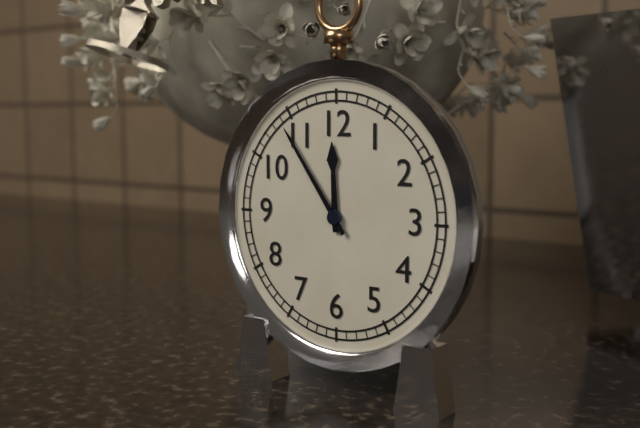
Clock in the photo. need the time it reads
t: 11:54
